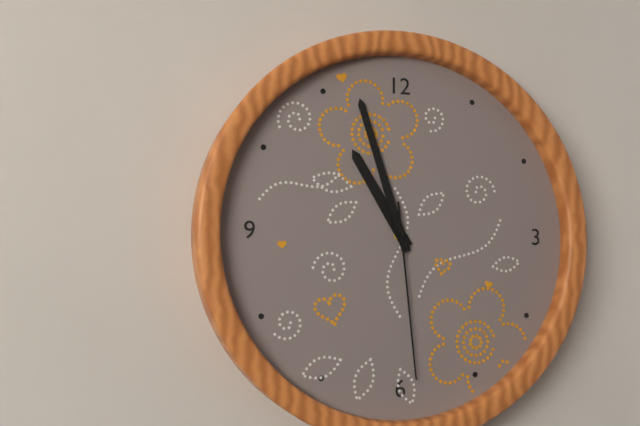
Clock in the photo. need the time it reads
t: 10:57:29
